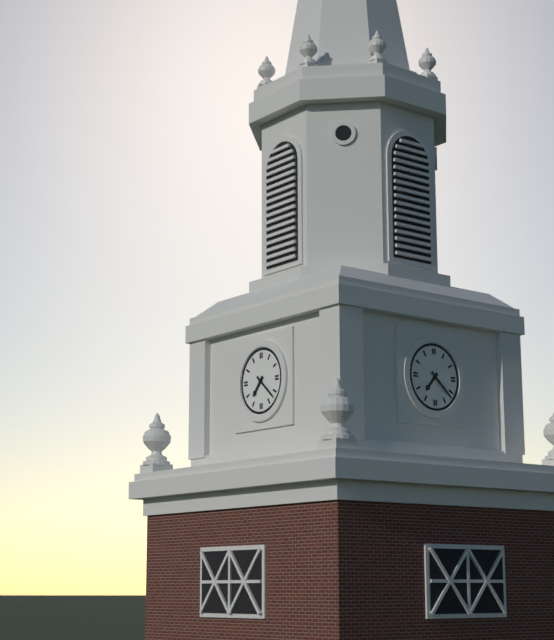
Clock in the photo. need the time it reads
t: 7:22
